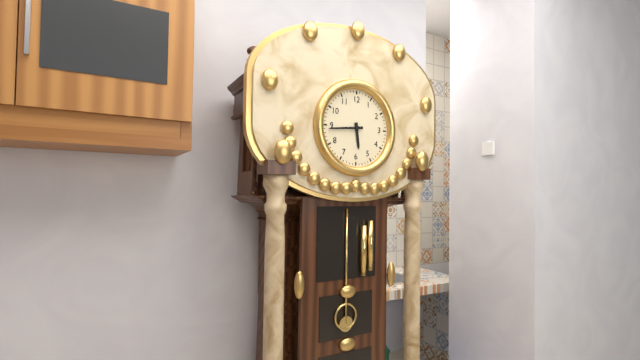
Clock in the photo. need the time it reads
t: 5:44
